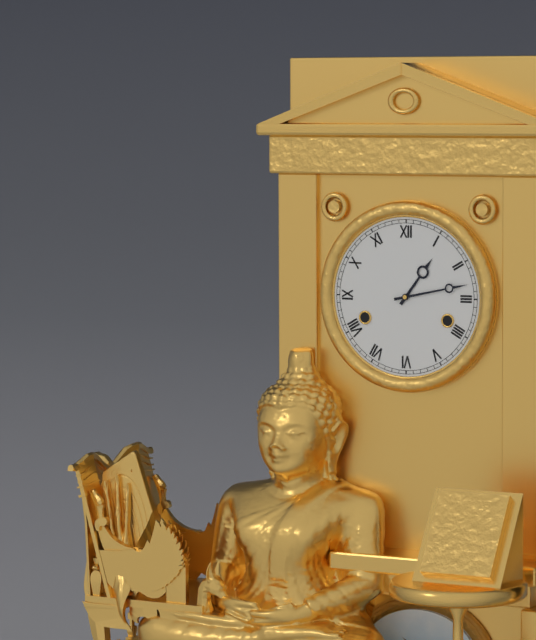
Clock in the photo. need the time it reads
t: 1:13
